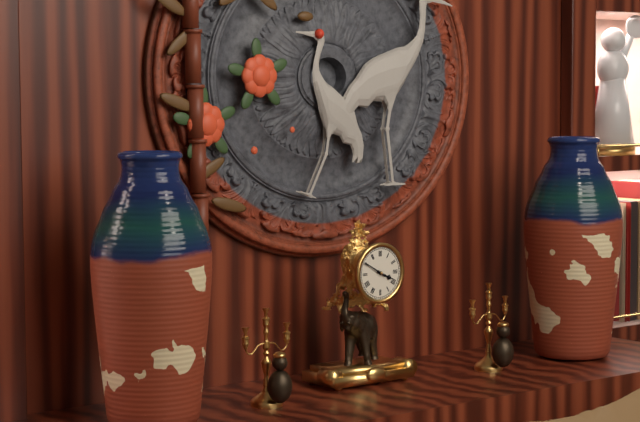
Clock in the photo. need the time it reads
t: 3:50
